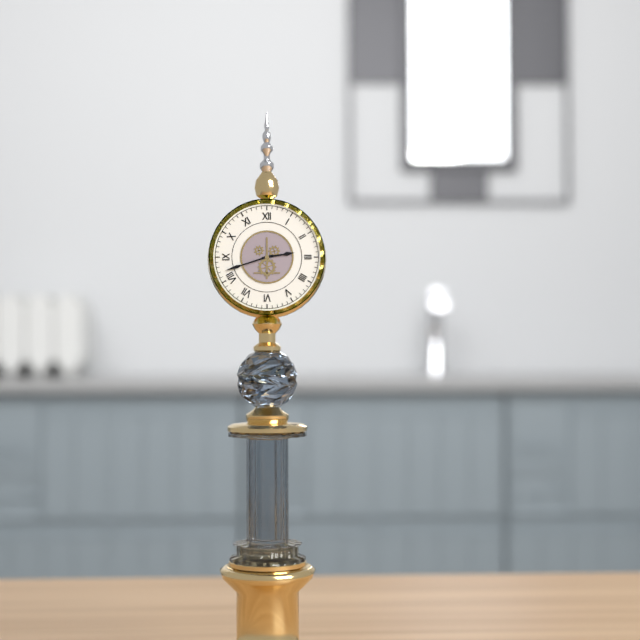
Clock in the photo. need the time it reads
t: 2:42
